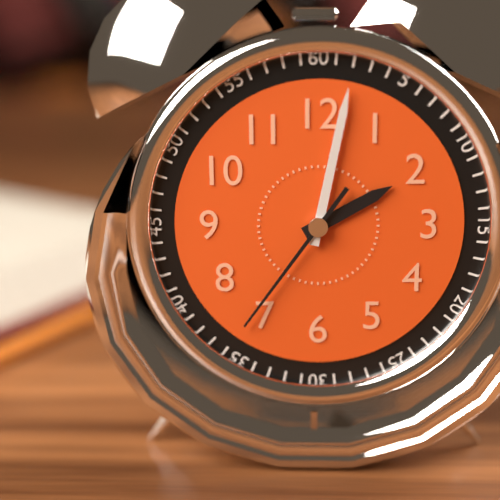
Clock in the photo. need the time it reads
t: 2:02:36
